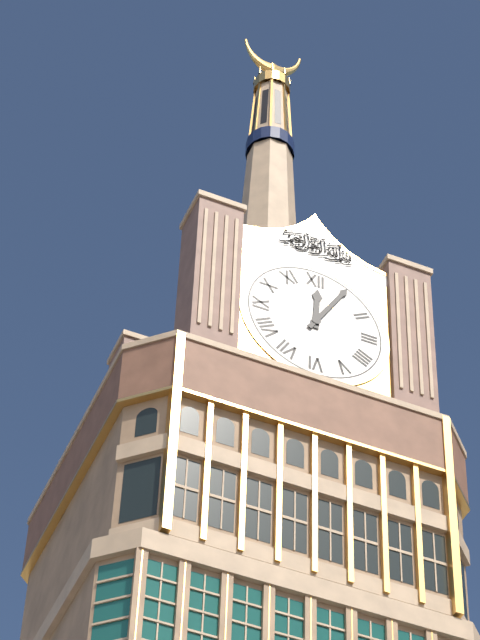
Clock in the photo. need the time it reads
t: 12:05
